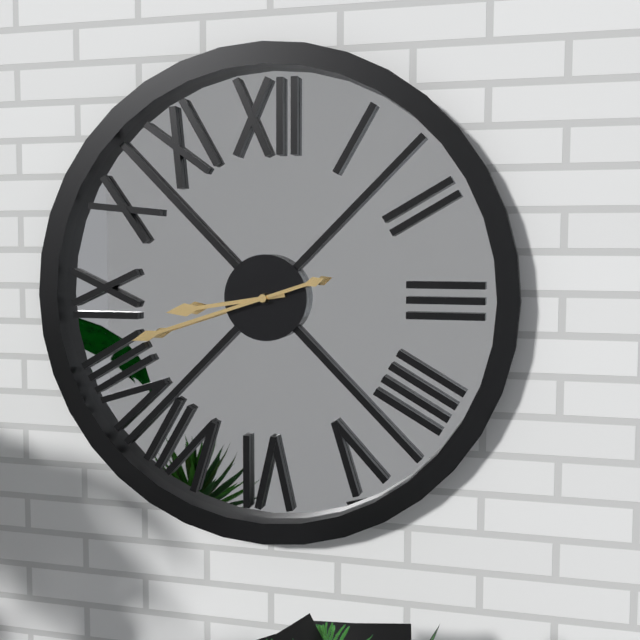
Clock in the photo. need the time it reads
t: 8:42
